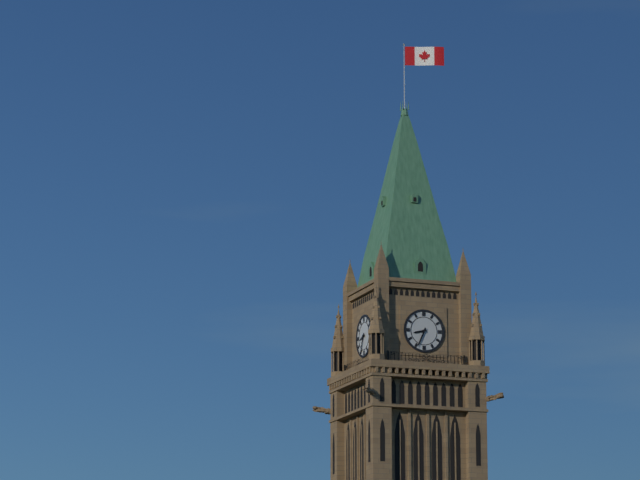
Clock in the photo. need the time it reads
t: 8:34
